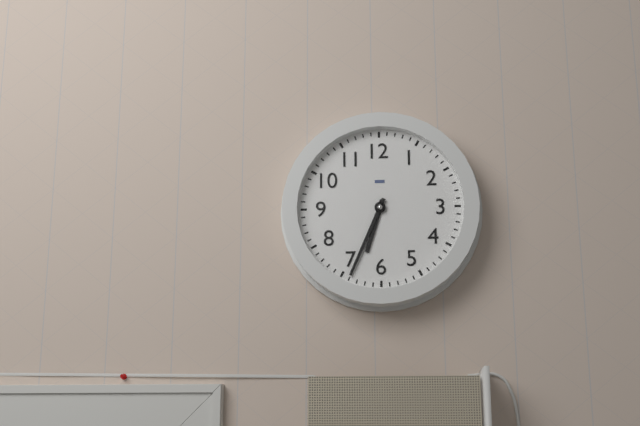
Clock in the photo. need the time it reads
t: 6:34
